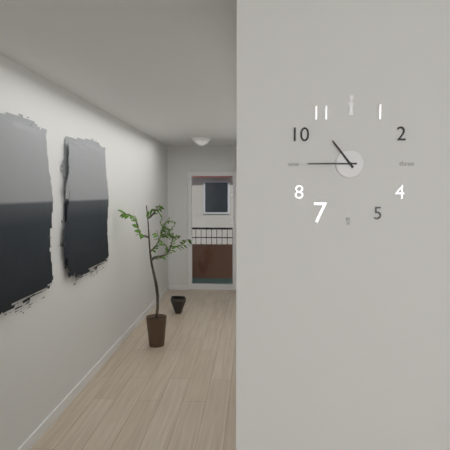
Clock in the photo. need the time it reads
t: 10:45
